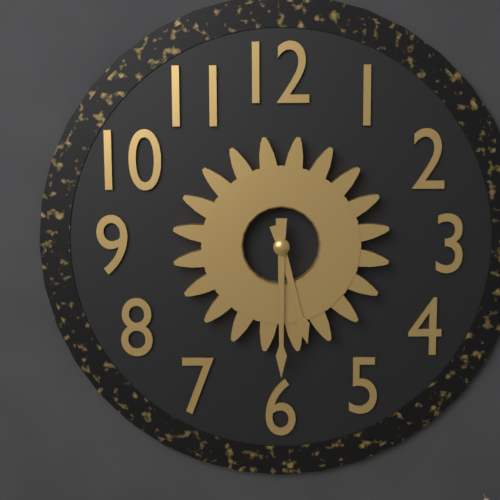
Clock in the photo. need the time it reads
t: 5:30
